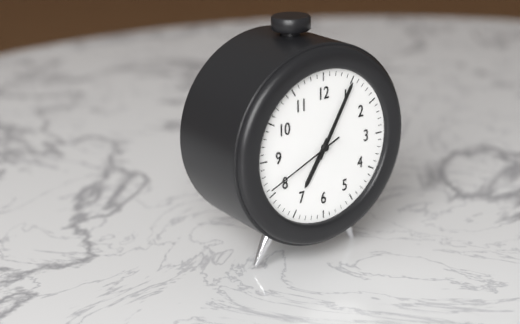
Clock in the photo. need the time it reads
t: 7:05:41
